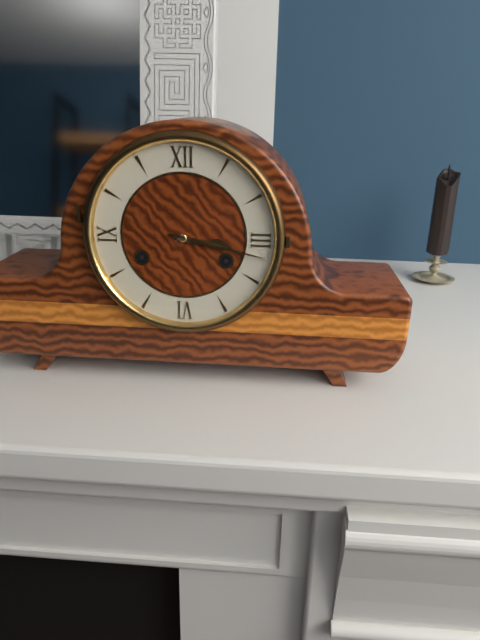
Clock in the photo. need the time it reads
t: 3:17
